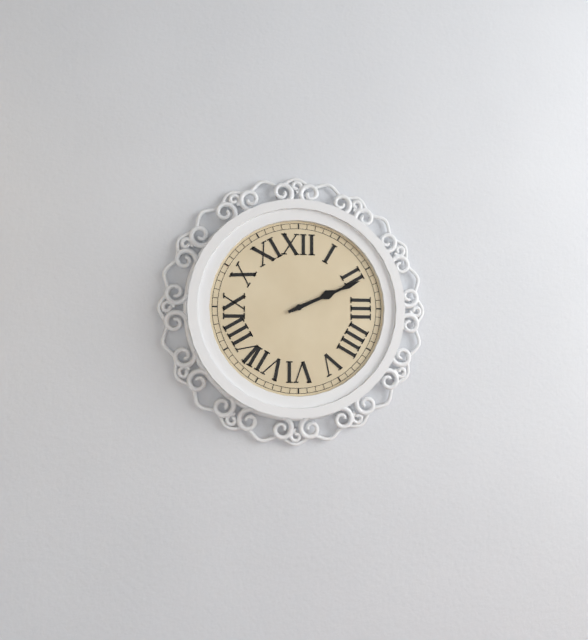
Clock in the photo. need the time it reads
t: 2:11
